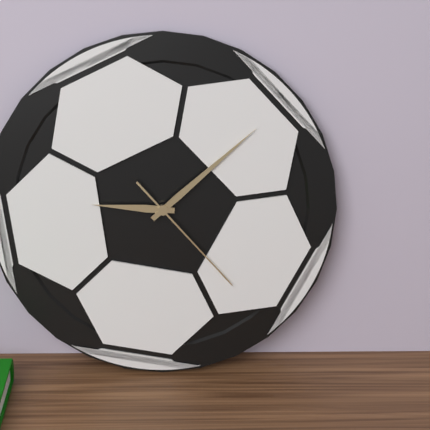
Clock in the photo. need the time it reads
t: 9:08:23
